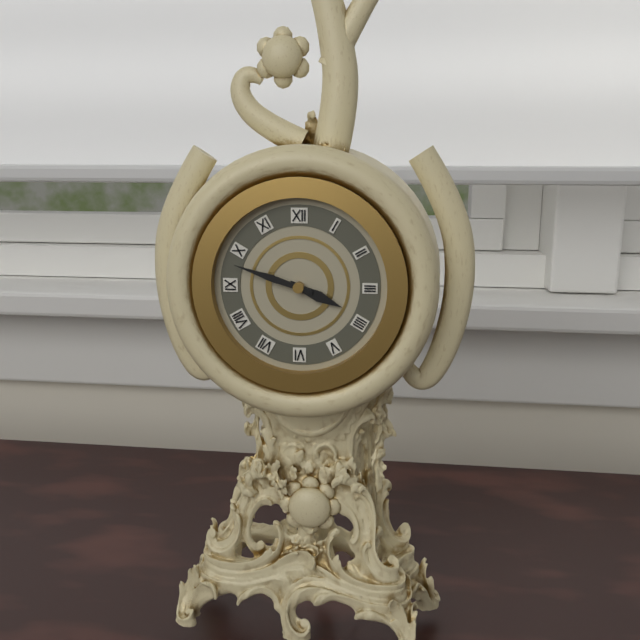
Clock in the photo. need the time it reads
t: 3:48
